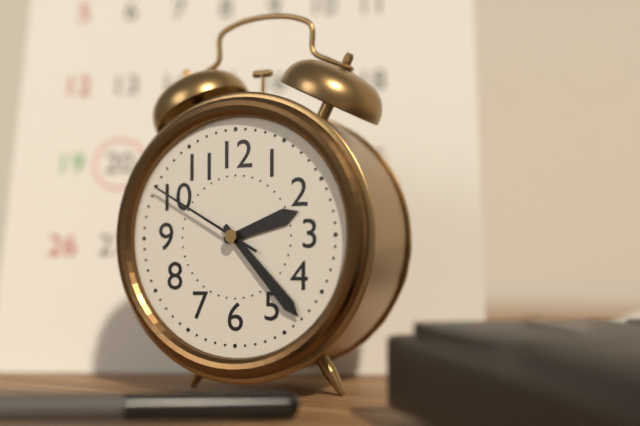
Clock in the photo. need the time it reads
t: 2:23:50
